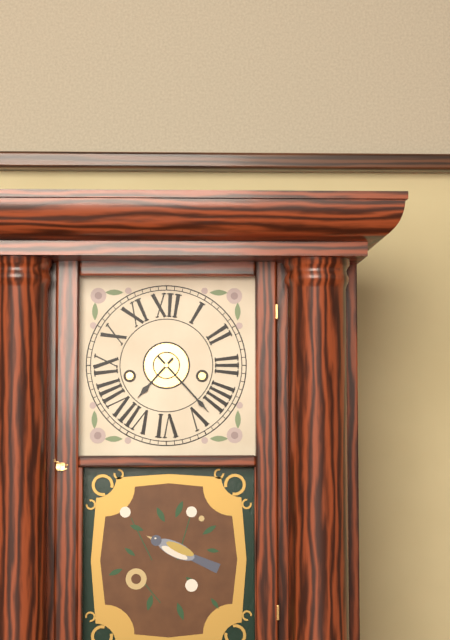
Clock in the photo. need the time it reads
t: 7:23
